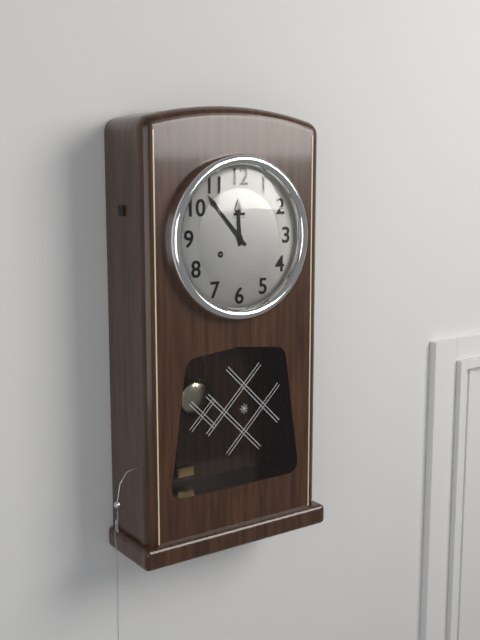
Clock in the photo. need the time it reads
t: 11:53
